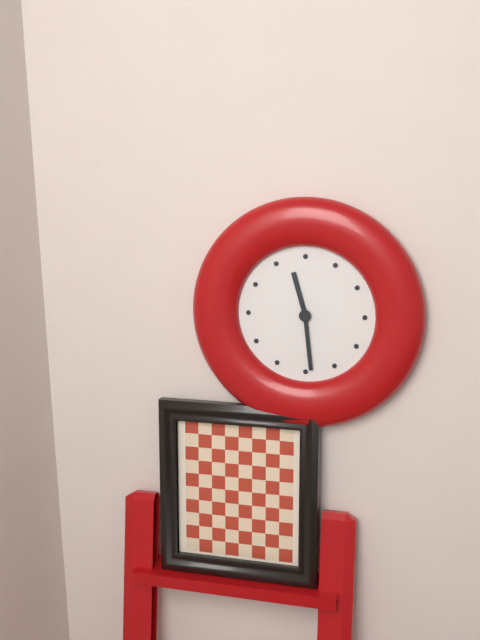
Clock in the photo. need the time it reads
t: 11:29
